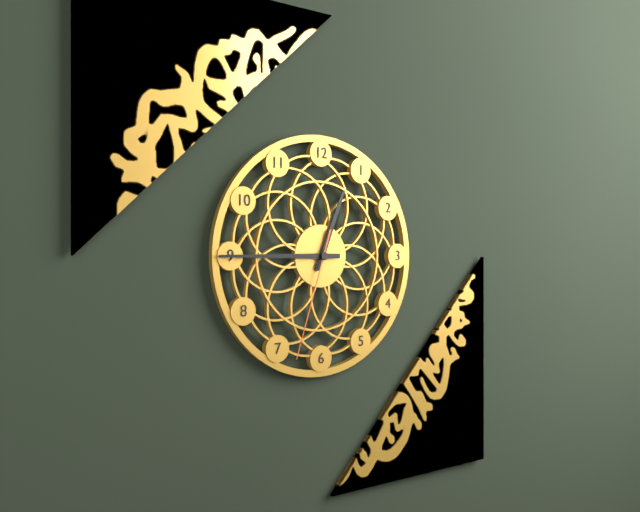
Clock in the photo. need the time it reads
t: 12:45:33
